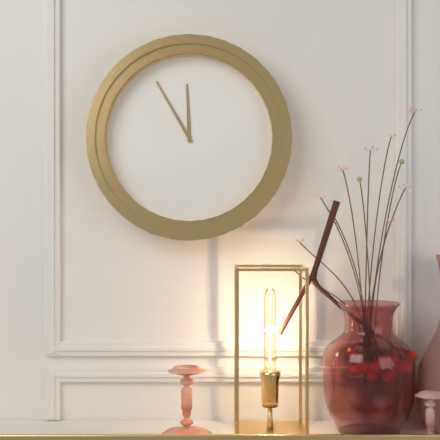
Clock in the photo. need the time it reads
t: 11:55
